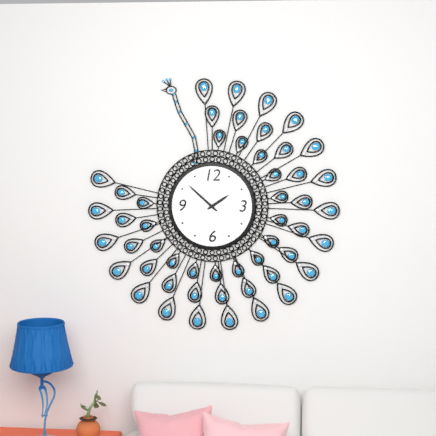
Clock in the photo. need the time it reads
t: 1:52
